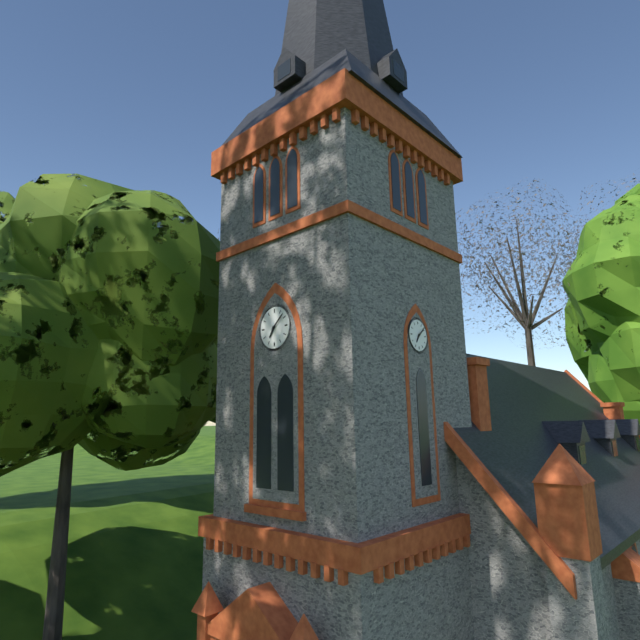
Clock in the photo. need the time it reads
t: 7:08
